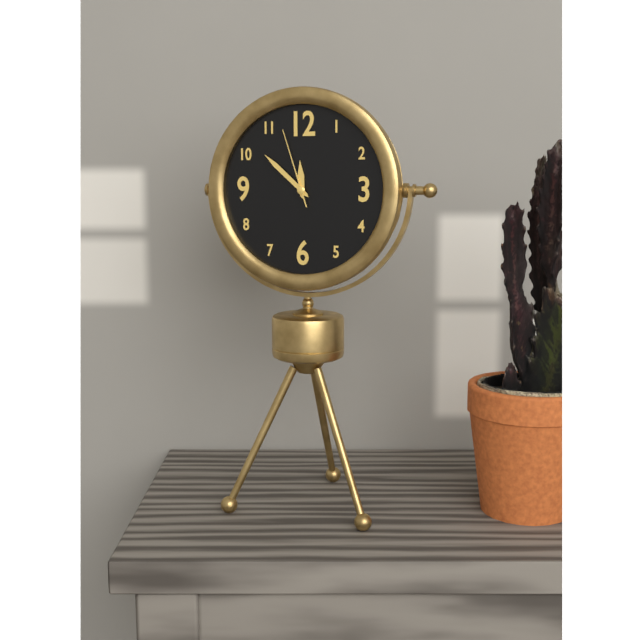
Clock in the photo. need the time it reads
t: 11:52:57
